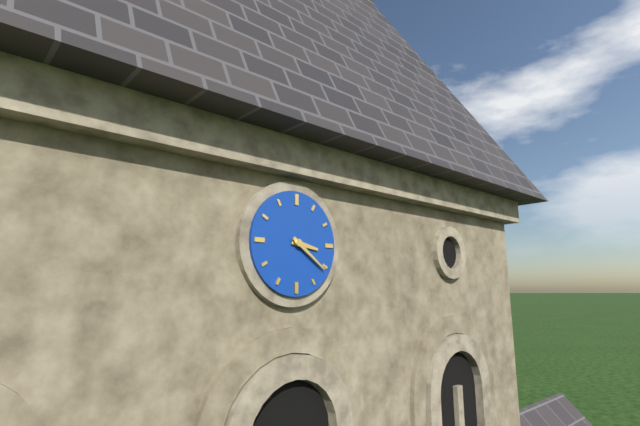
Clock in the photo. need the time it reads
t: 3:21
